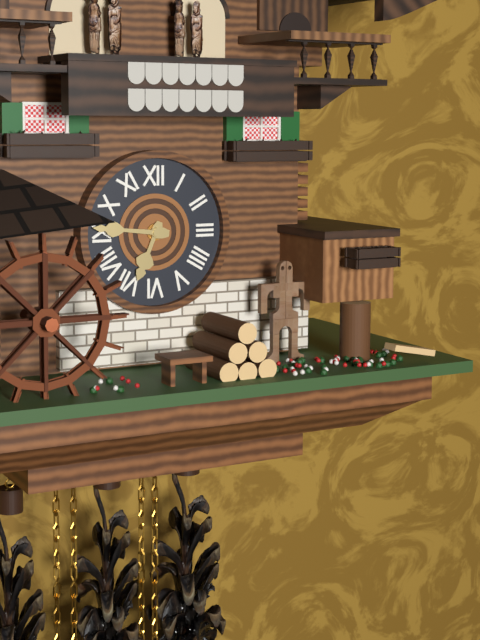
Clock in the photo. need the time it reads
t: 6:46
